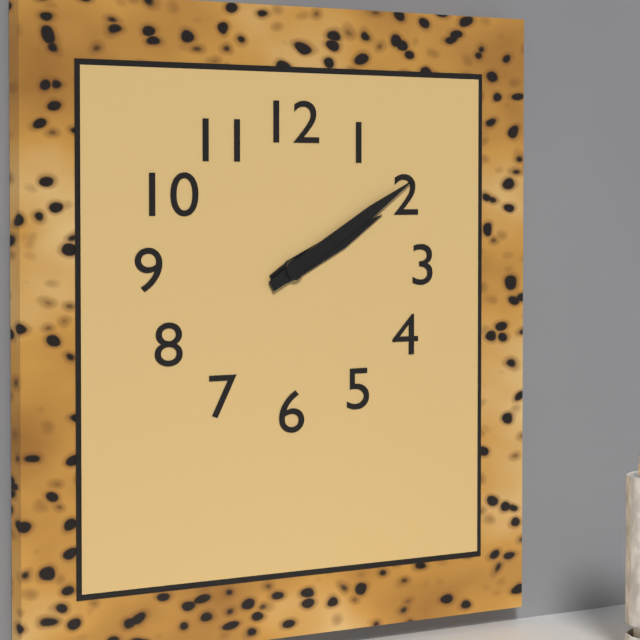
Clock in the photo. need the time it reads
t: 2:10
